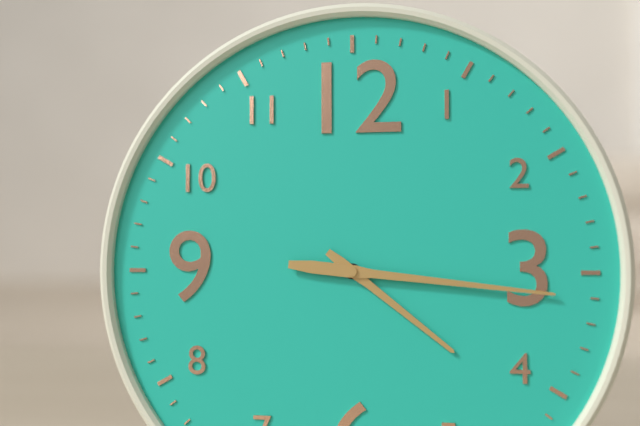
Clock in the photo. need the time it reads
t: 4:16
